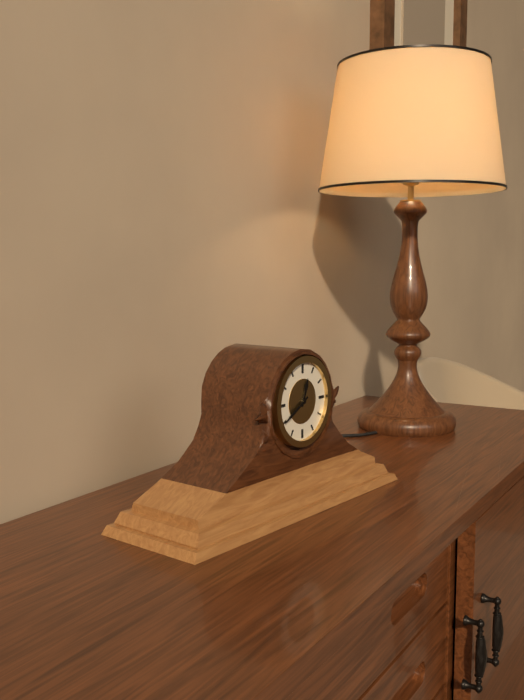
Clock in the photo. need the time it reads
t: 12:40
